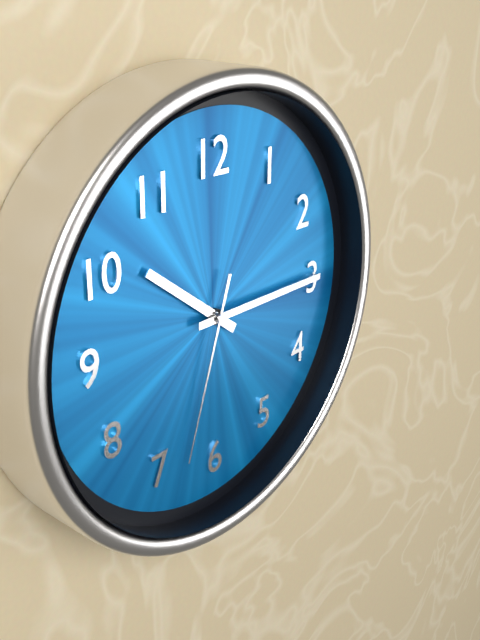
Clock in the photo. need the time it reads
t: 10:15:33
